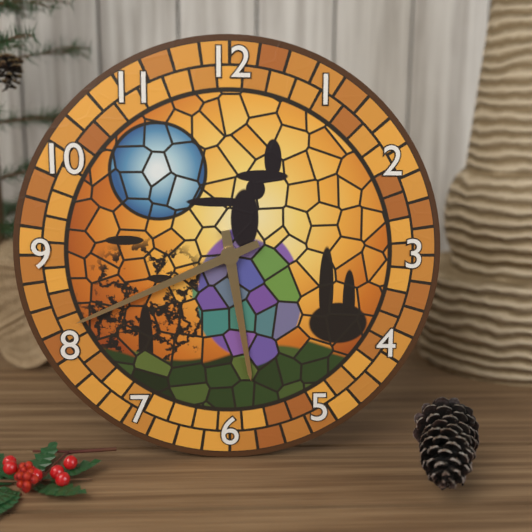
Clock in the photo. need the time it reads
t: 5:41
